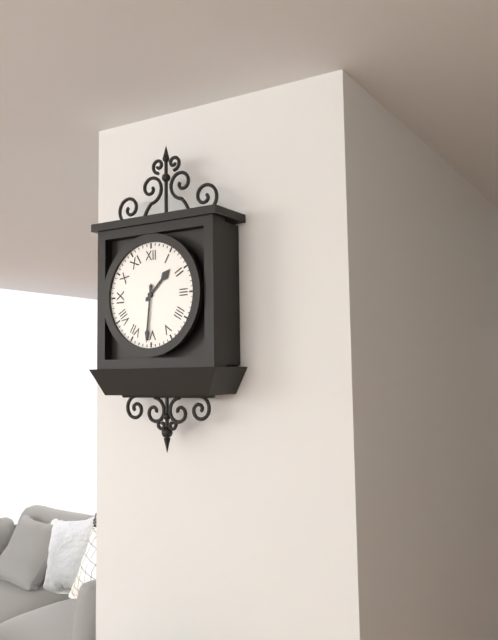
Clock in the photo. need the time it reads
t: 1:31
